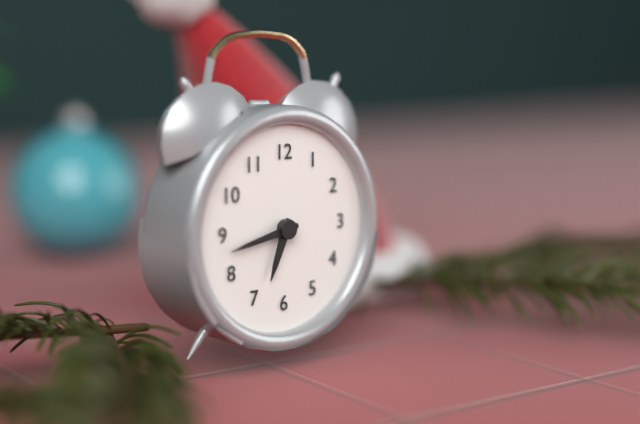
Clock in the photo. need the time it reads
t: 6:43
